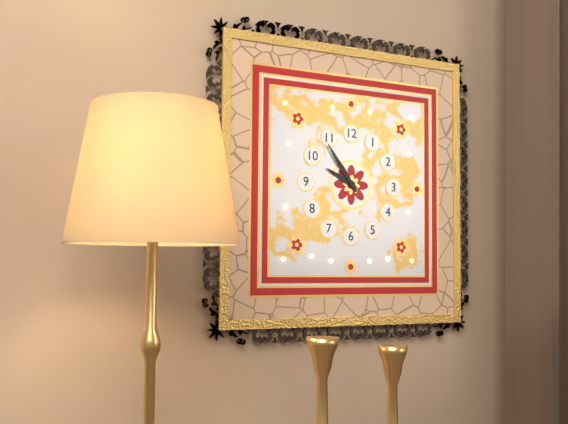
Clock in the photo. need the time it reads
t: 9:54
